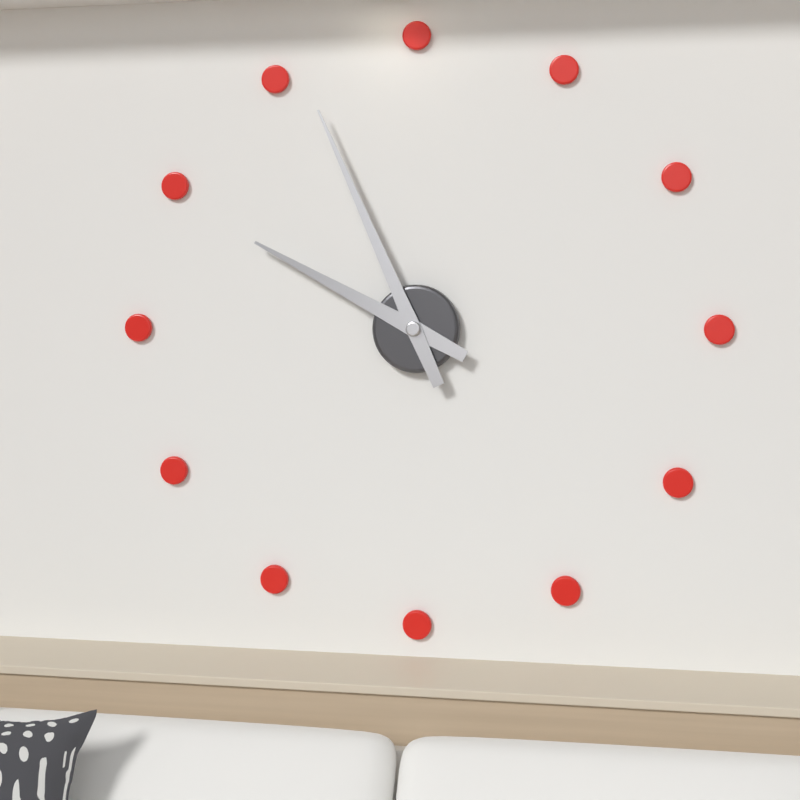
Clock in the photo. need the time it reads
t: 9:56
